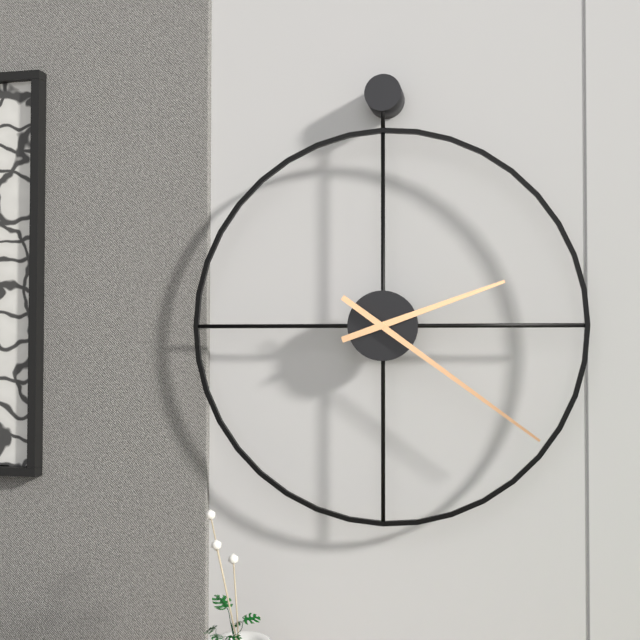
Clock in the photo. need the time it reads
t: 2:21
